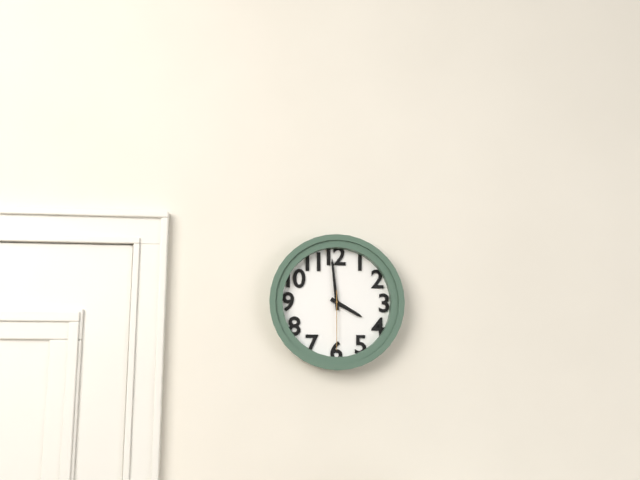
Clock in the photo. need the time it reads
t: 3:59:30
